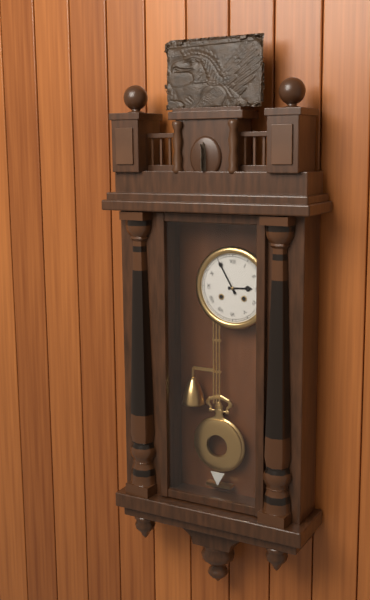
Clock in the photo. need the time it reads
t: 2:55
